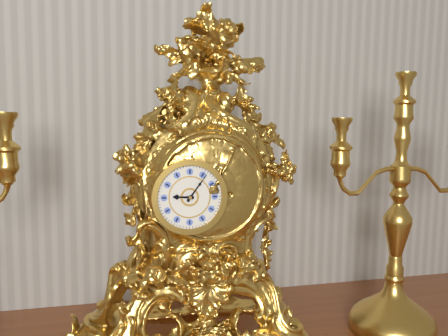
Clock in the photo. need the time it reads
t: 9:06
